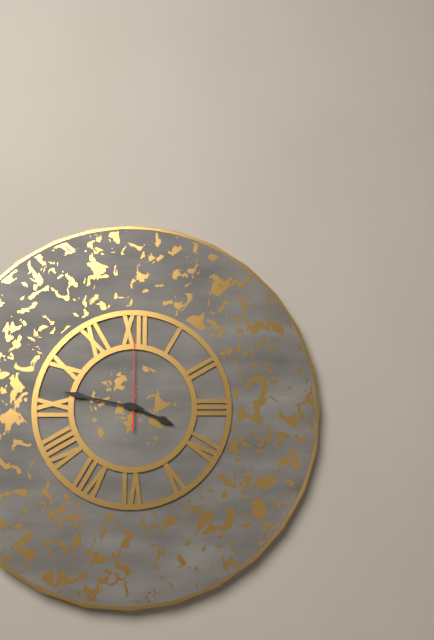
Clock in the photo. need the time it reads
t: 3:47:00
